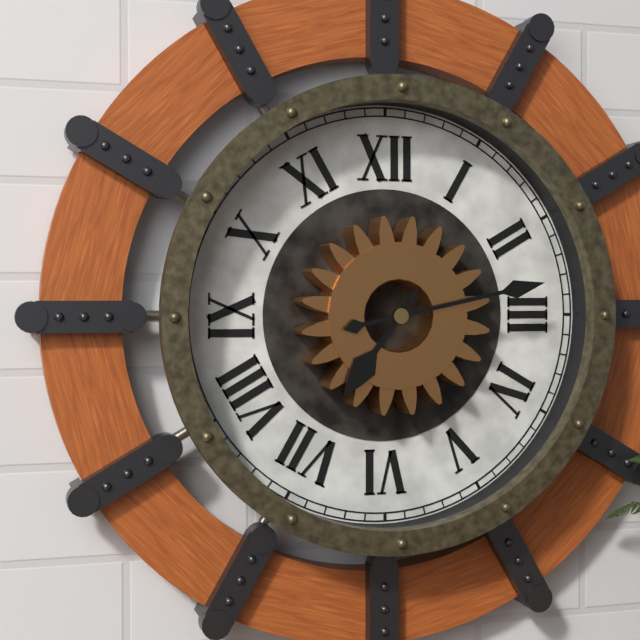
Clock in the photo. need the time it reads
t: 7:13
